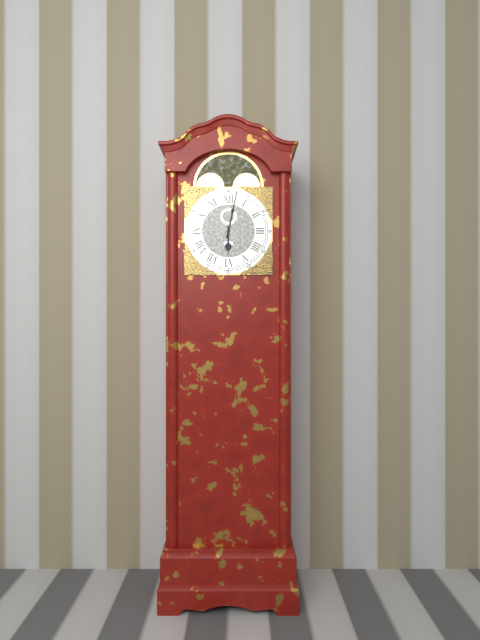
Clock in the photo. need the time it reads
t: 6:02
